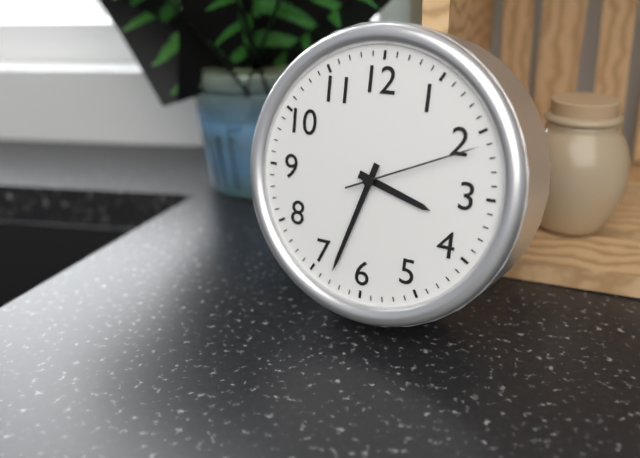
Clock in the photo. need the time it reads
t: 3:33:11
